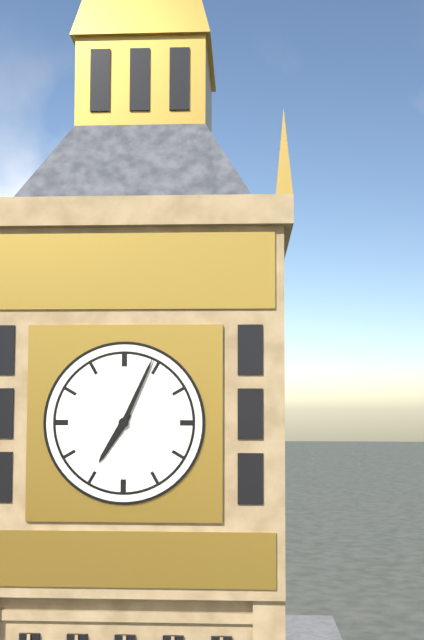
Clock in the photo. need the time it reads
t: 7:04
